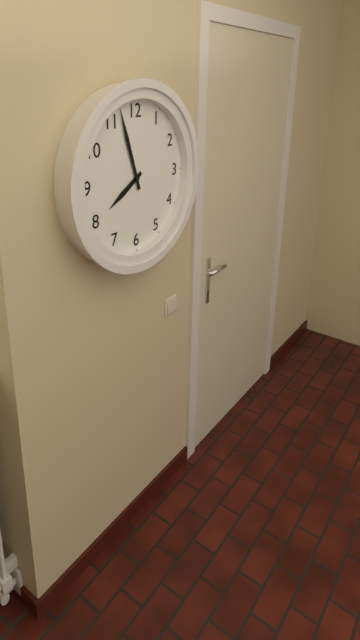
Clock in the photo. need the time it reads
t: 7:57
